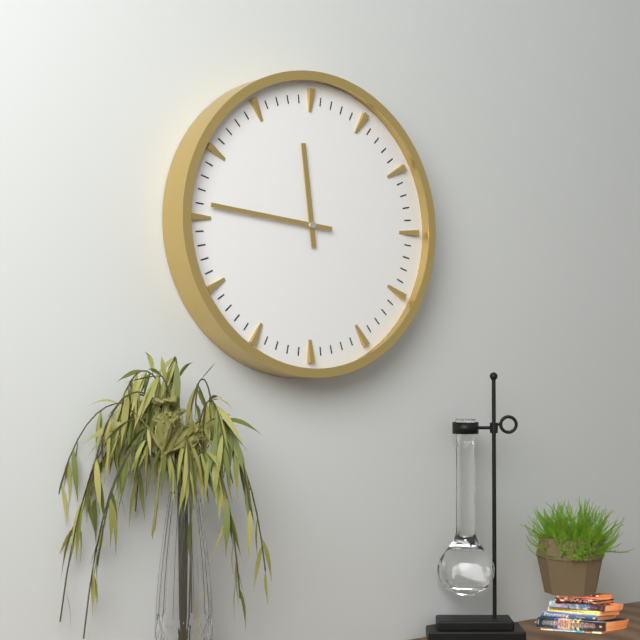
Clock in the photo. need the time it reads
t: 11:46
